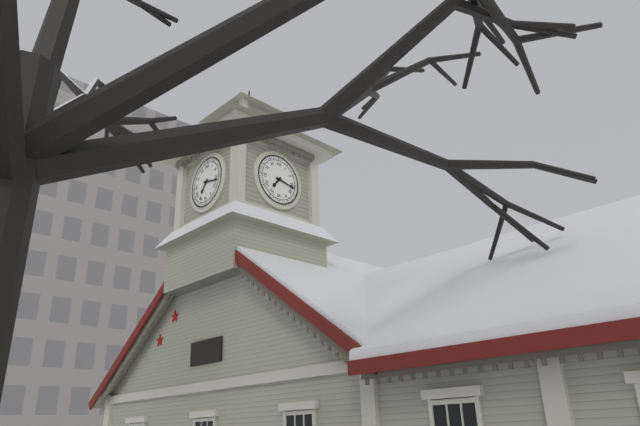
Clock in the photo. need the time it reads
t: 7:17
